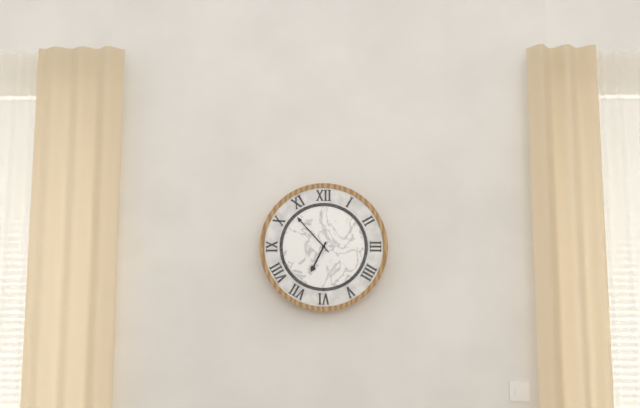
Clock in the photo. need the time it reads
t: 6:53
